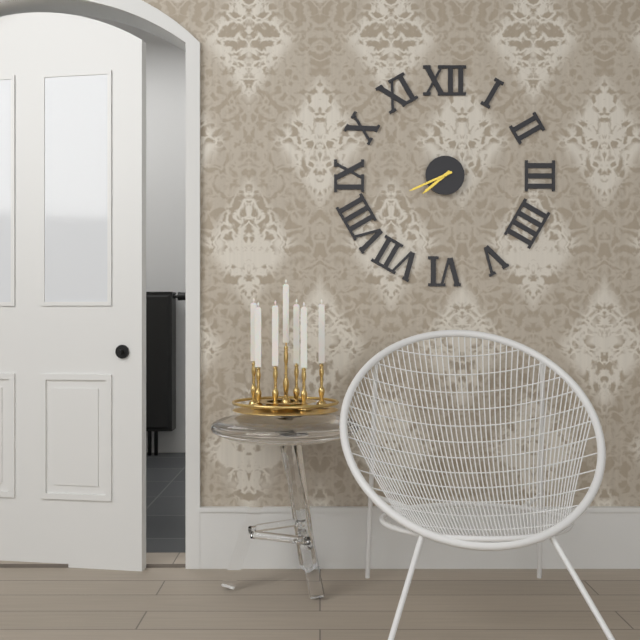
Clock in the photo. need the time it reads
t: 7:41
